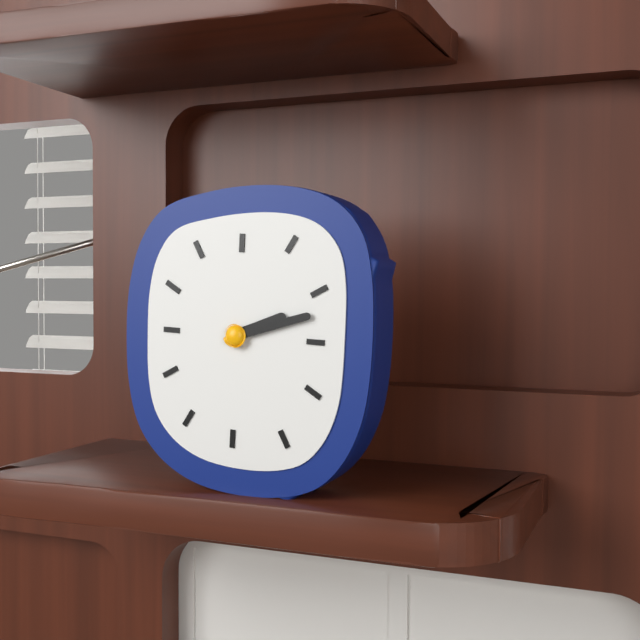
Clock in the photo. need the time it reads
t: 2:12
